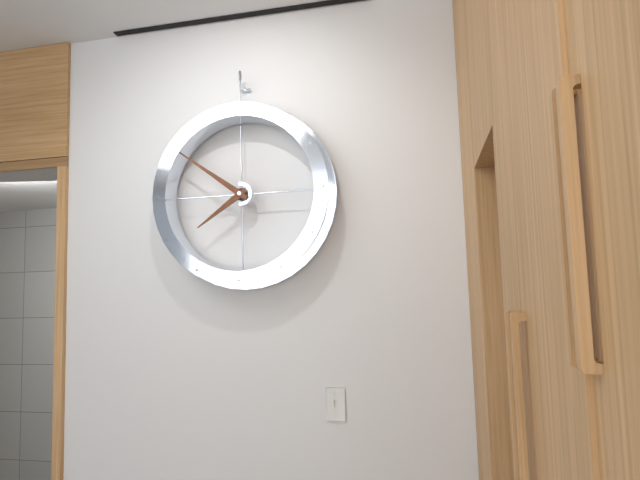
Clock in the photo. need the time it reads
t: 7:51
